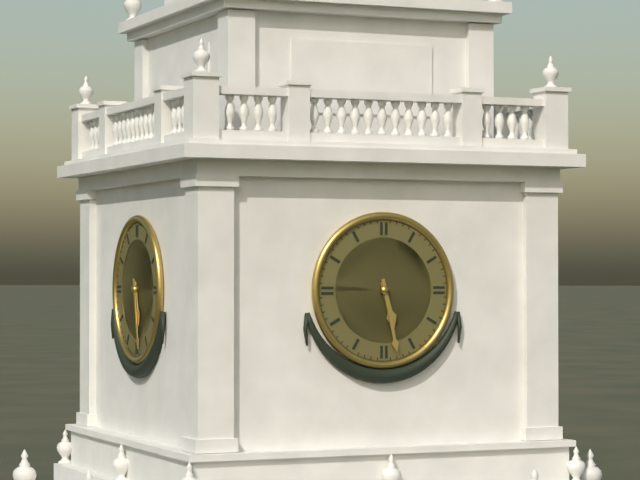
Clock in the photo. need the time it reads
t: 5:28
